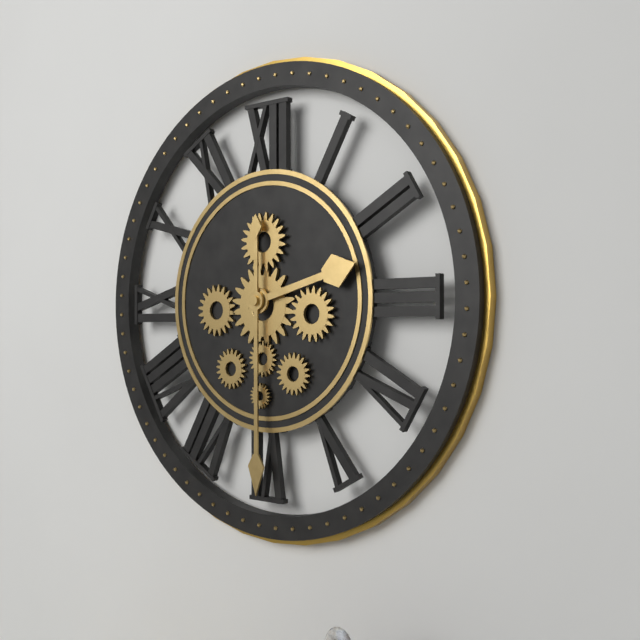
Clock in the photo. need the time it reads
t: 2:30
